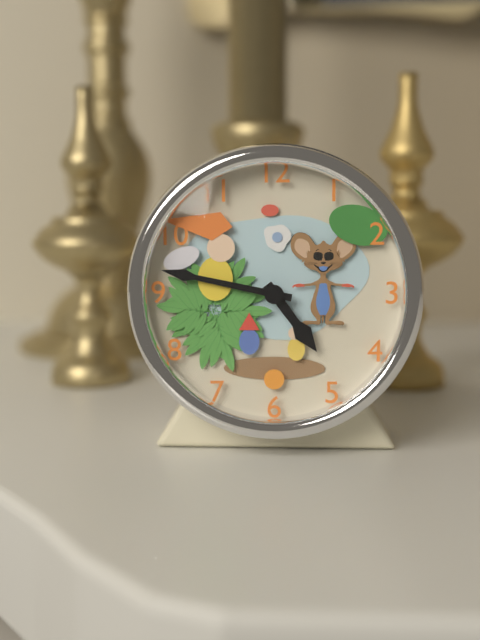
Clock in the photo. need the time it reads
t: 4:47
